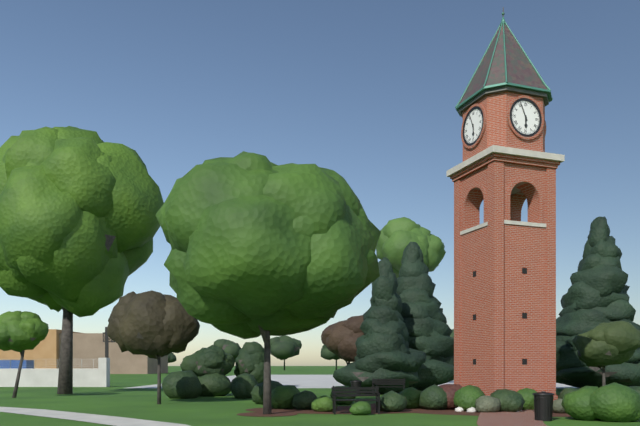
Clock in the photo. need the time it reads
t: 5:56
